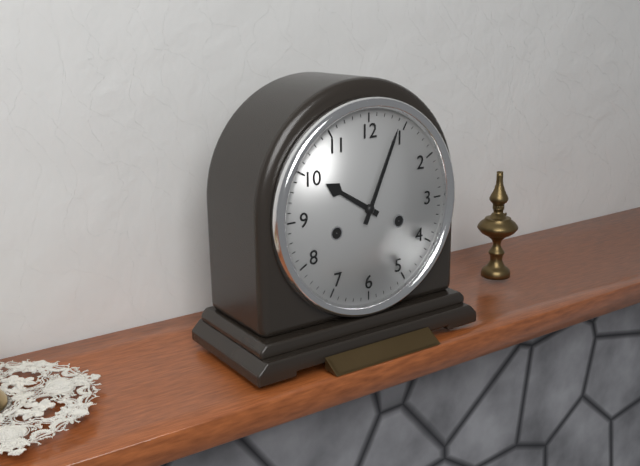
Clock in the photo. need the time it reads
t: 10:04
